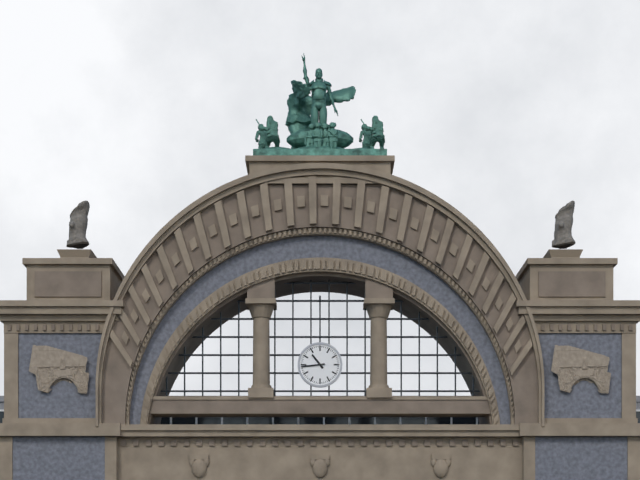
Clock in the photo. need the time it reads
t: 10:44
